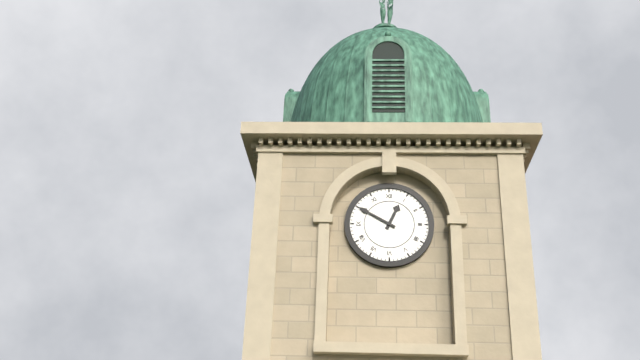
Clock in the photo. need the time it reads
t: 12:50
